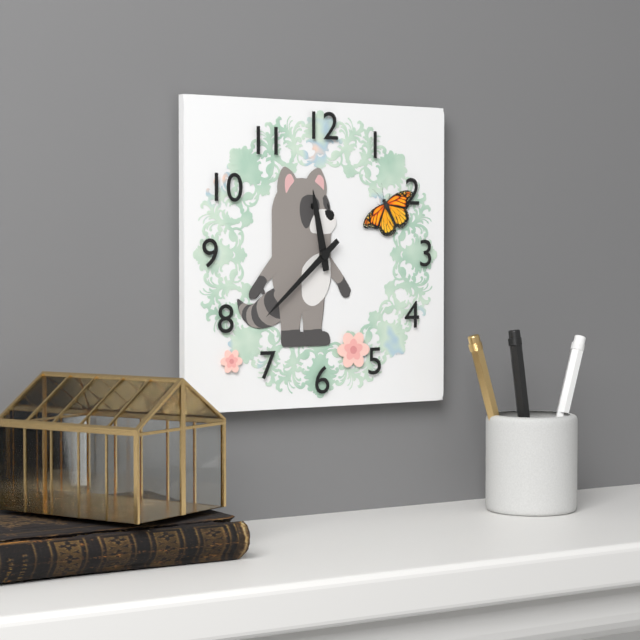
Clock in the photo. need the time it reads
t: 11:38
